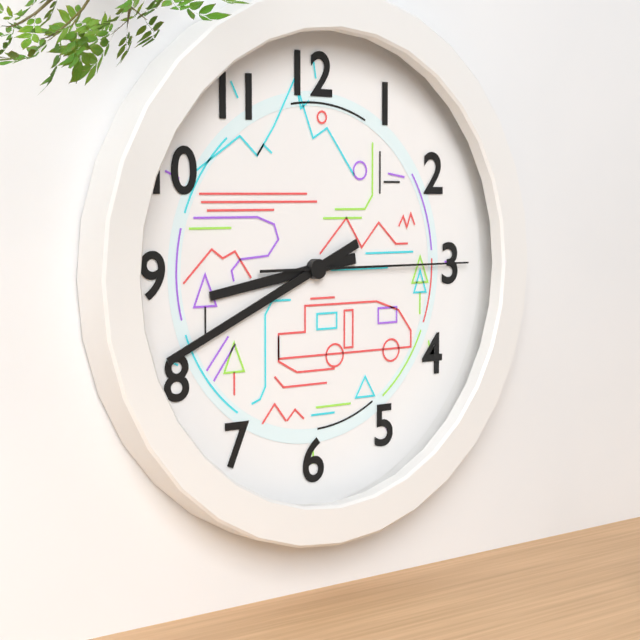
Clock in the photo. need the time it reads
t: 8:41:15
